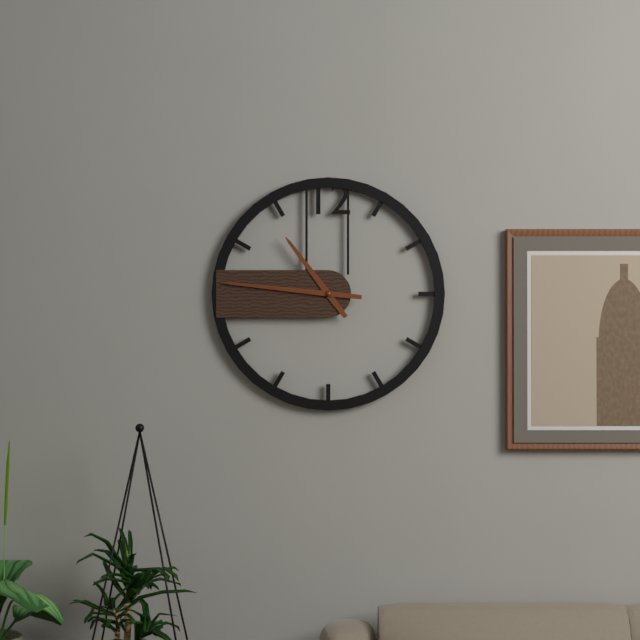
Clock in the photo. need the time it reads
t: 10:46
